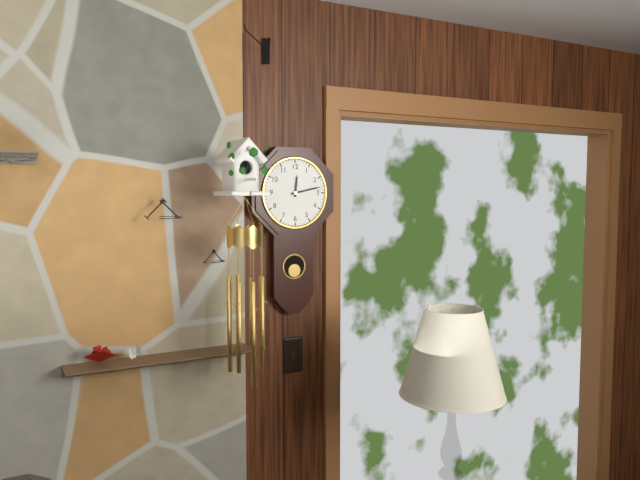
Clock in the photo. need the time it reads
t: 12:13
